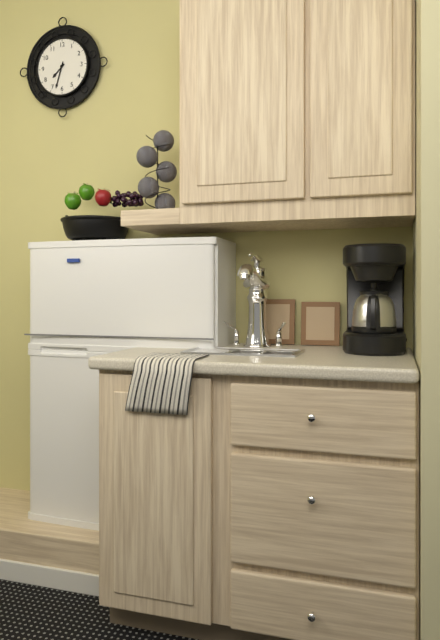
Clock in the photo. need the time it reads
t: 7:33
